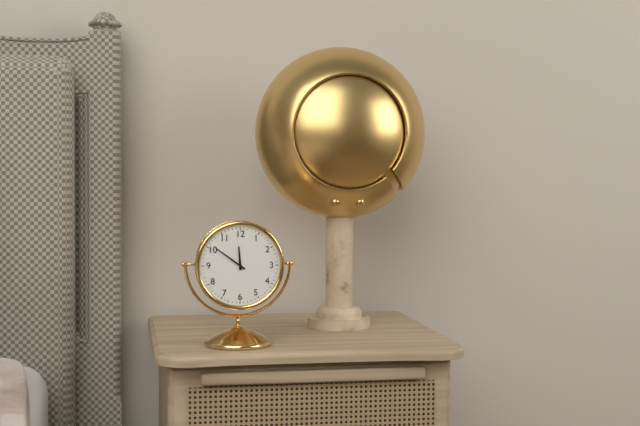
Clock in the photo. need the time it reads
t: 11:51
